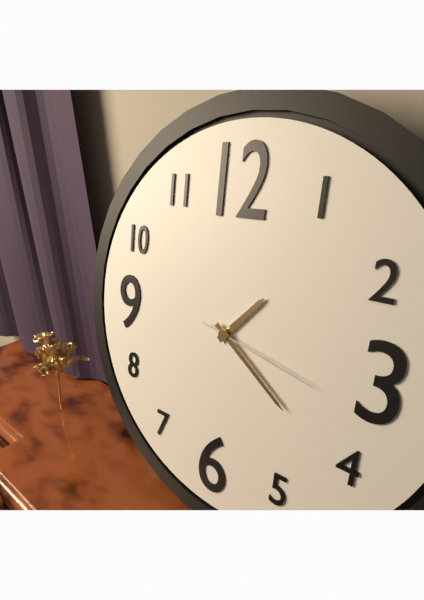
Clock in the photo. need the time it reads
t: 1:21:17
